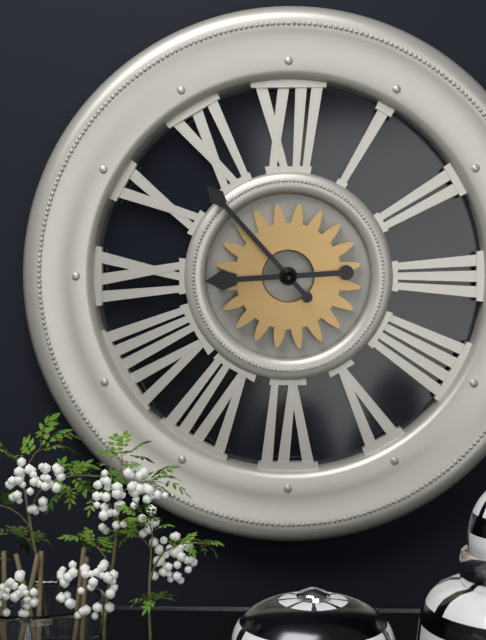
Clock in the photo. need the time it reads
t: 8:53
